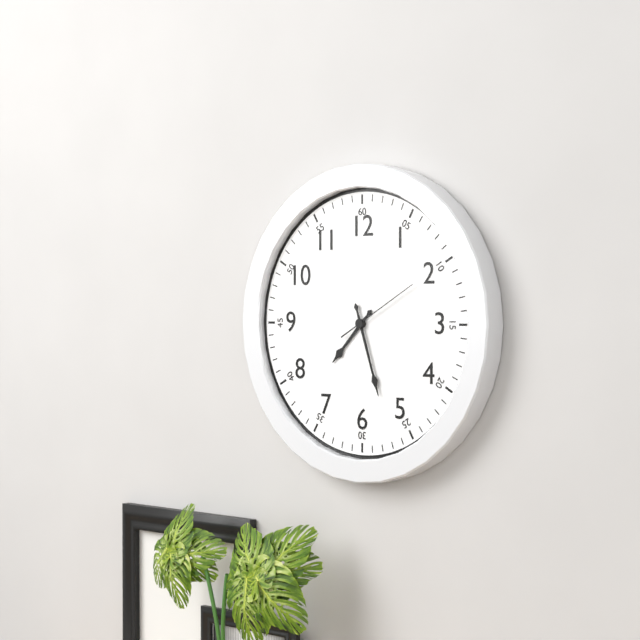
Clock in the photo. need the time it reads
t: 7:27:10
